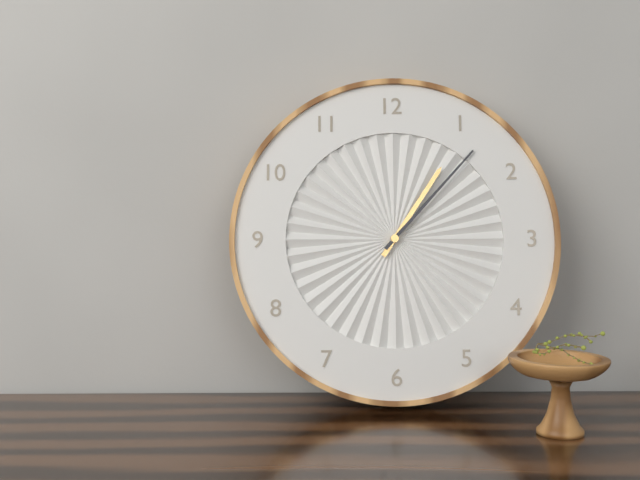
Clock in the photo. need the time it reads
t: 1:07
